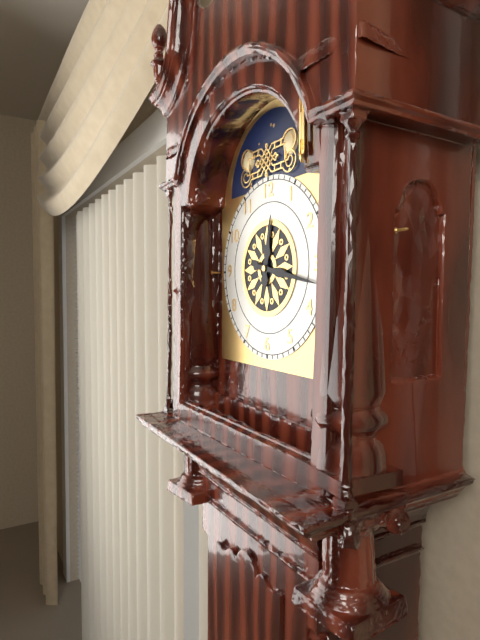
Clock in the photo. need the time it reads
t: 12:17
